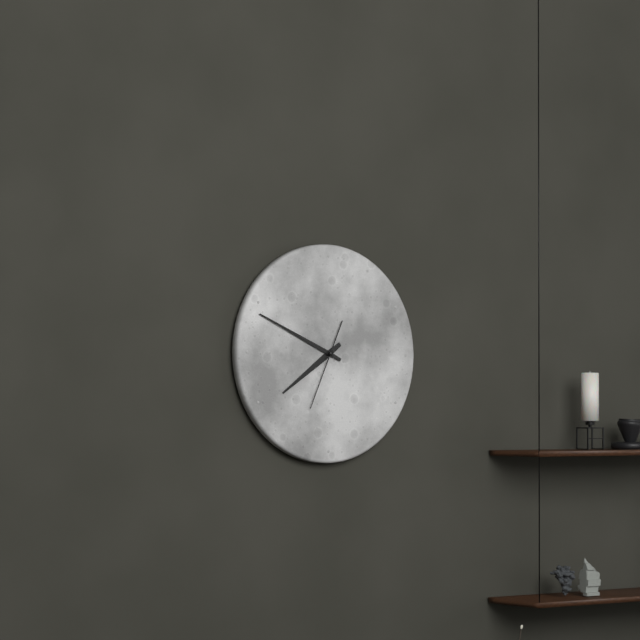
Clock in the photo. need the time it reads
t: 7:49:34
